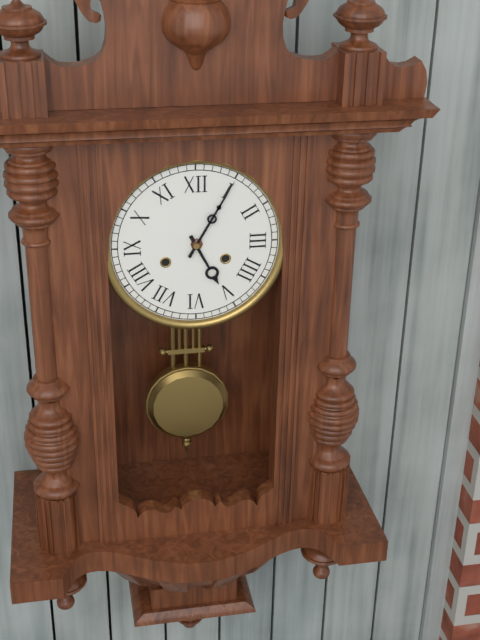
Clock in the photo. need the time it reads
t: 5:05
